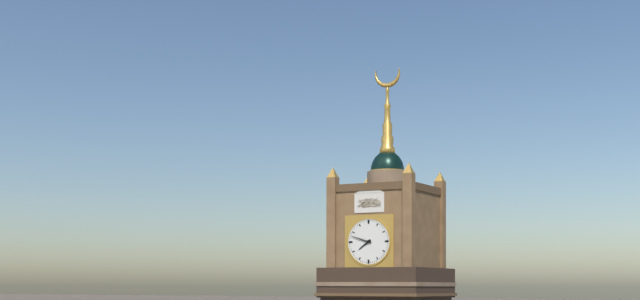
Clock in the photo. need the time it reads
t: 7:48
